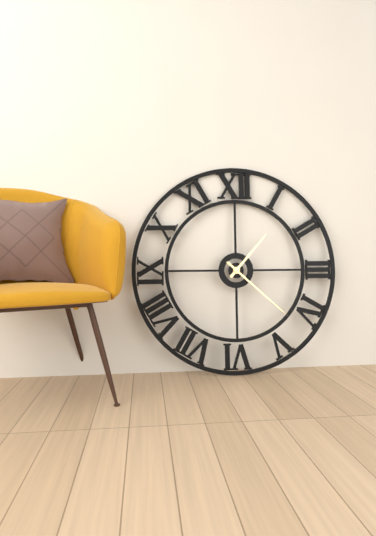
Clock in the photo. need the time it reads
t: 1:22
